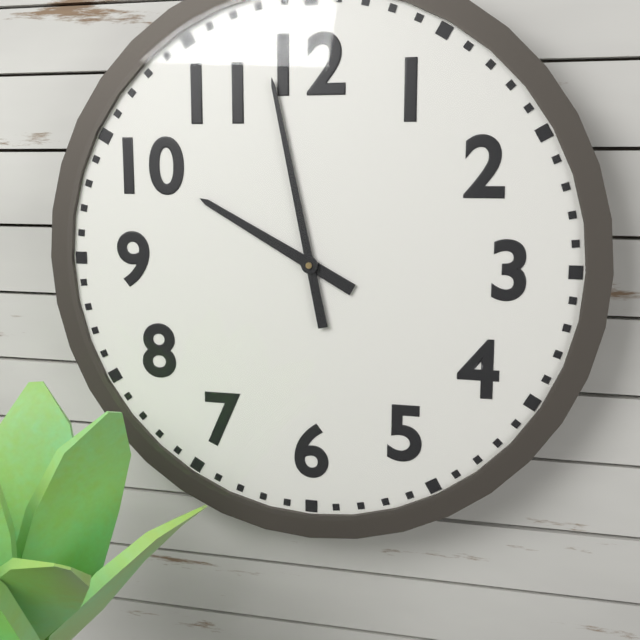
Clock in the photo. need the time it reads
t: 9:58
